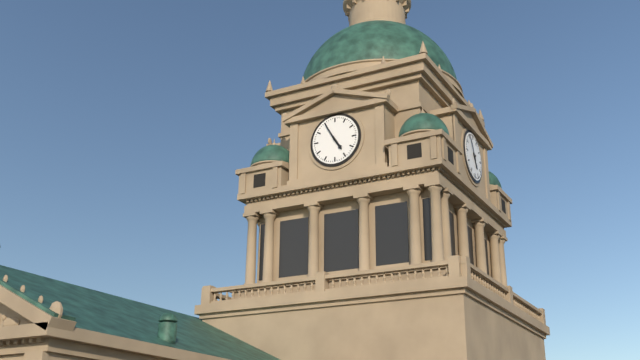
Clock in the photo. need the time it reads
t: 4:55
